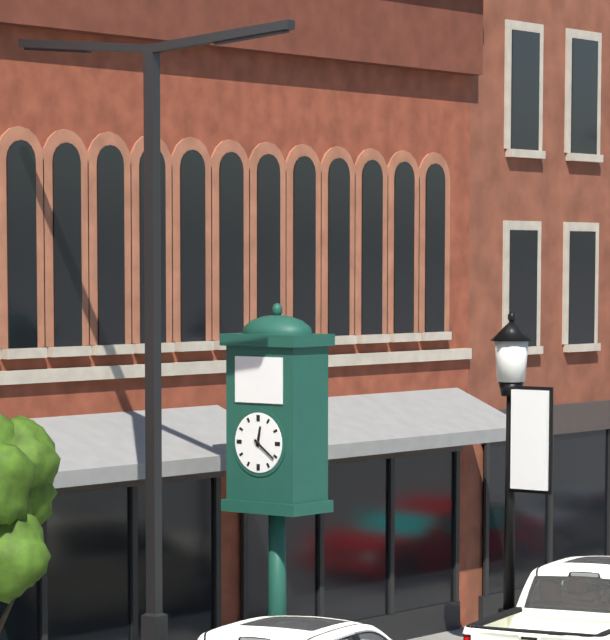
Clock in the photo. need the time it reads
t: 12:21
